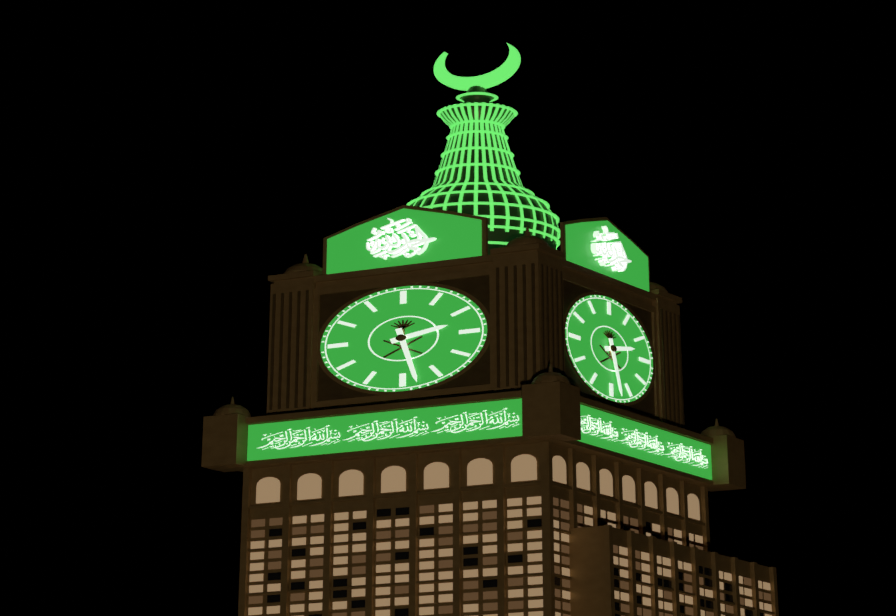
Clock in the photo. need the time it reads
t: 2:28
